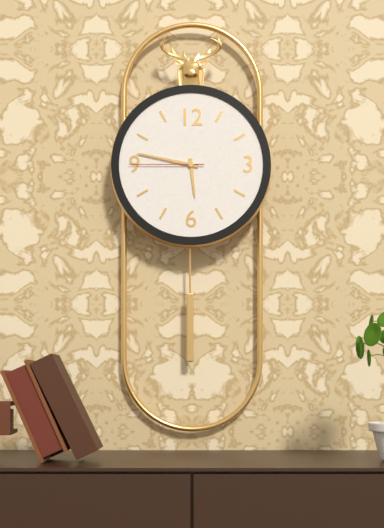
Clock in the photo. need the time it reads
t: 5:47:45
